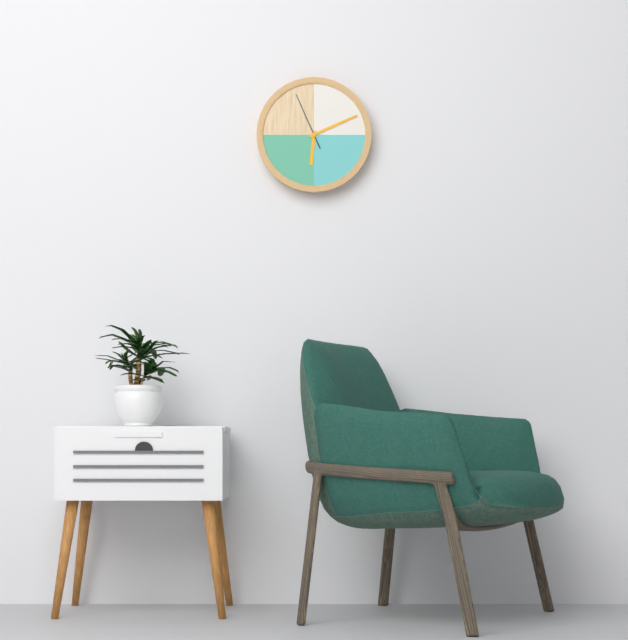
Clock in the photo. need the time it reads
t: 6:11:56
